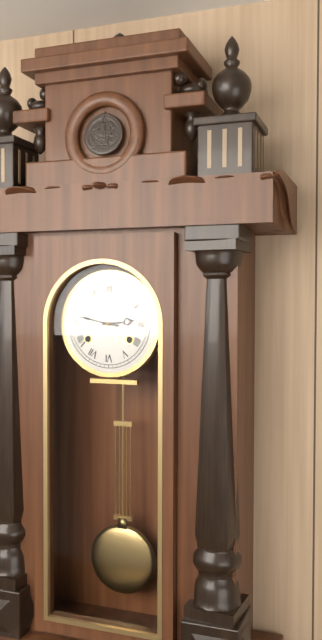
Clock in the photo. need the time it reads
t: 2:47
